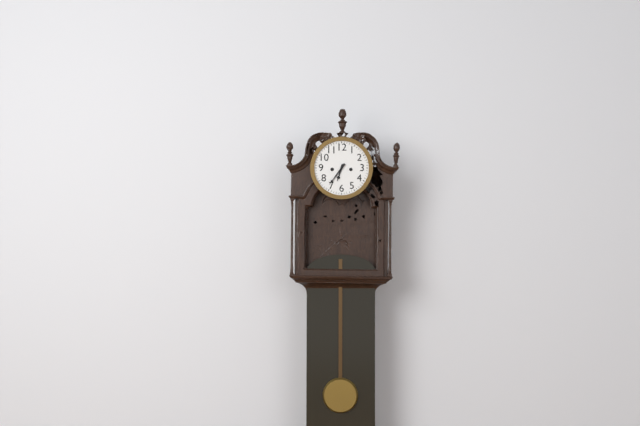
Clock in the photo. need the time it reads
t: 6:36
